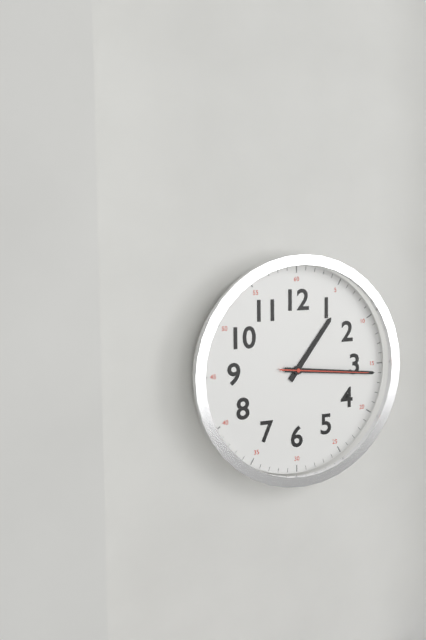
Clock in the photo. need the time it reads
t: 1:16:16
